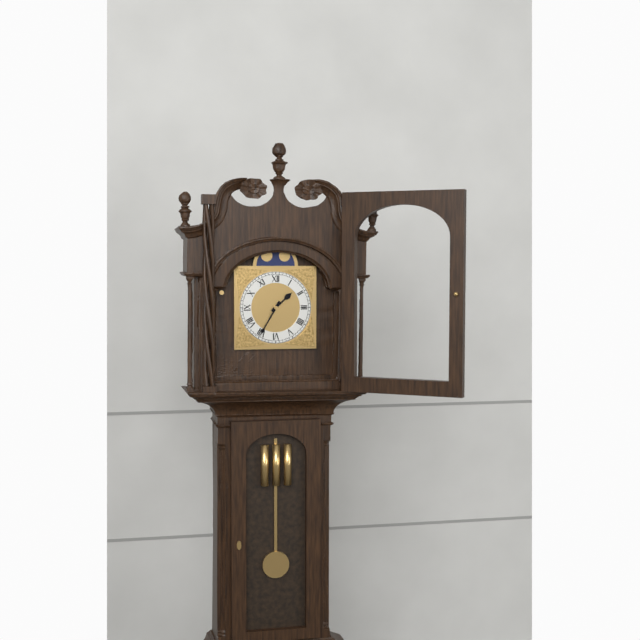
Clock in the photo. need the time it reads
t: 1:35
